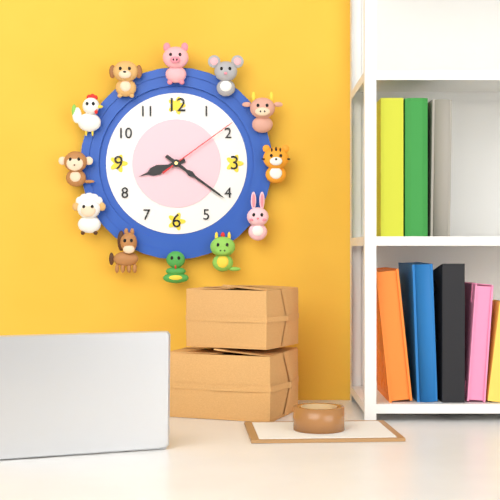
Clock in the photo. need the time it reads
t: 8:21:09
